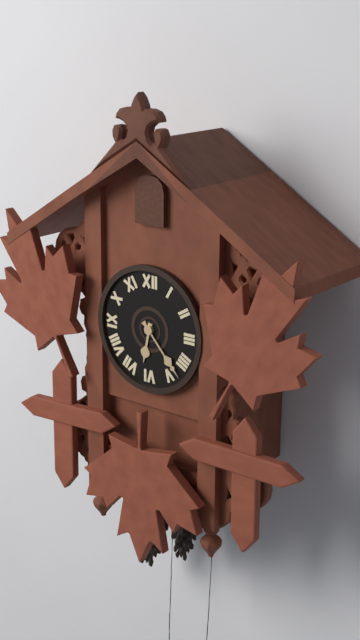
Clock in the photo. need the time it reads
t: 6:23
